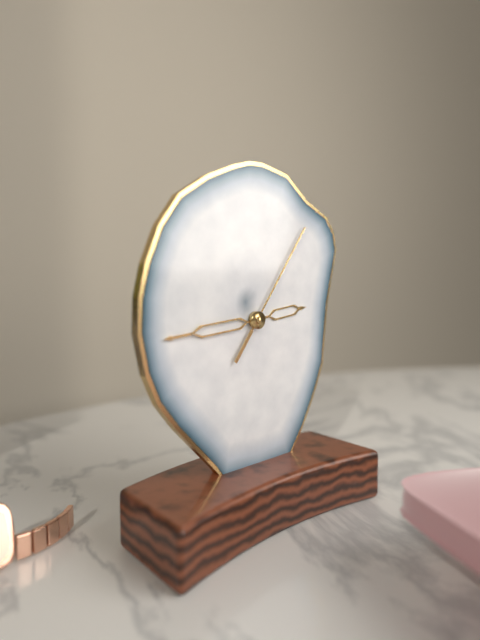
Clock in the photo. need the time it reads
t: 2:44:06
